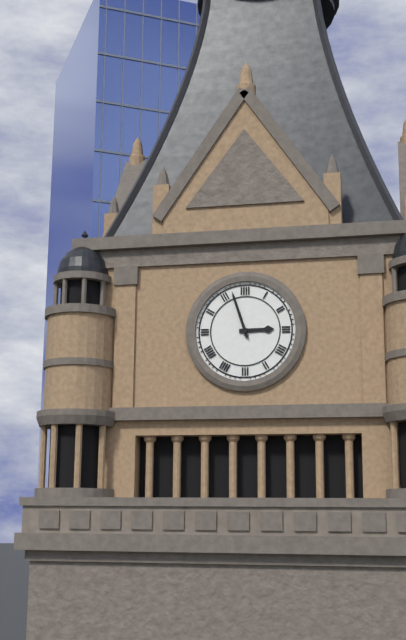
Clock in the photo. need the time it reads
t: 2:57
